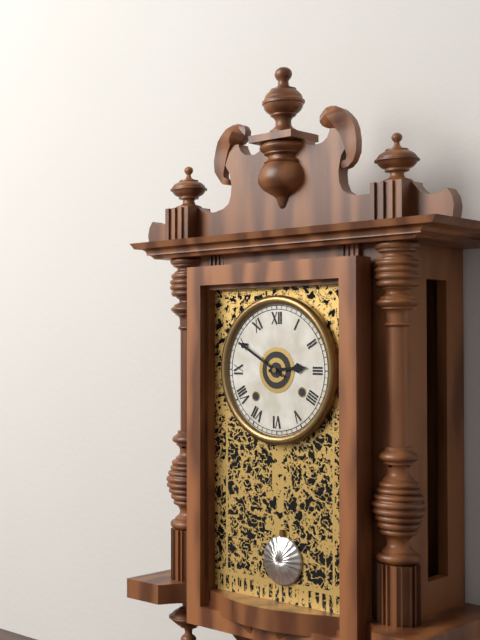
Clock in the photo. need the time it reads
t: 2:50
